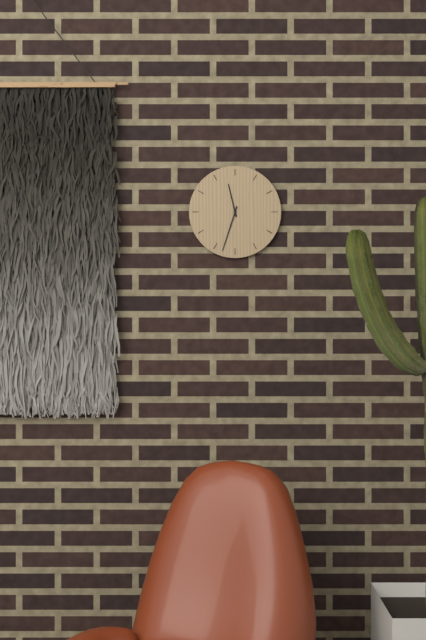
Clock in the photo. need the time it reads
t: 11:33
